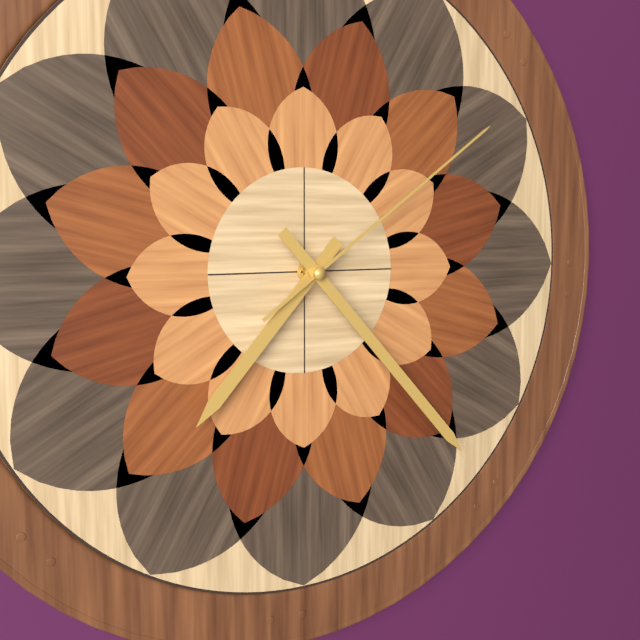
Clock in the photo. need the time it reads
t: 7:23:09
